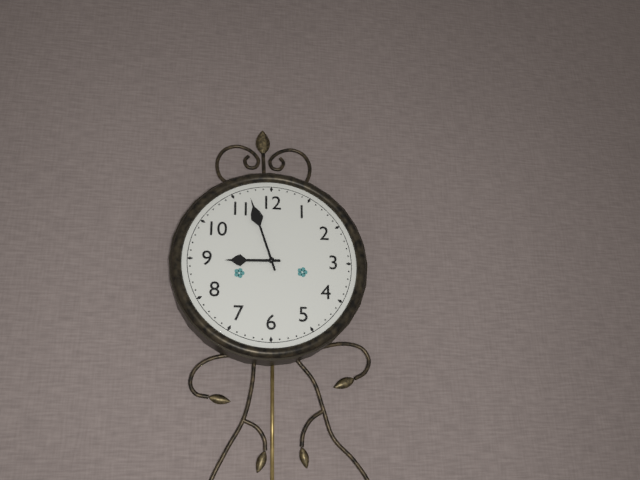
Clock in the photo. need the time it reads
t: 8:57
